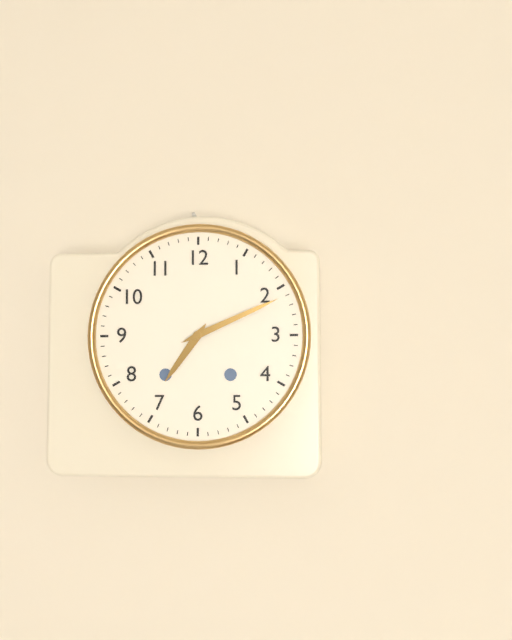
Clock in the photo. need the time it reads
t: 7:11
